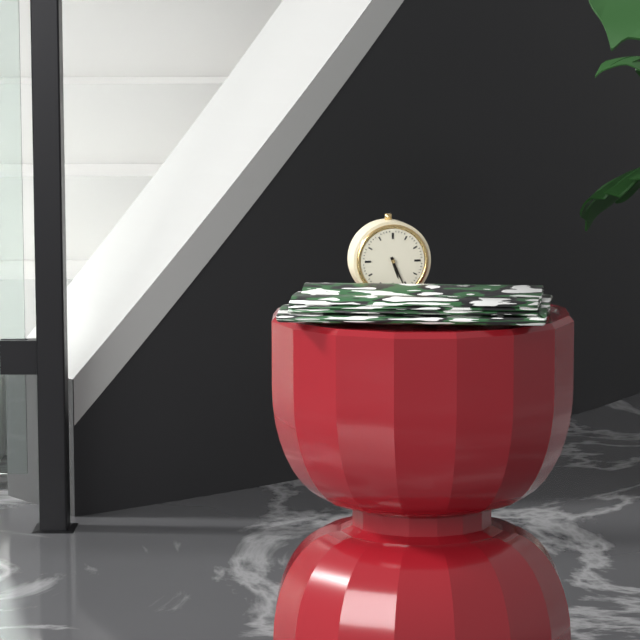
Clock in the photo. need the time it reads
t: 5:26
